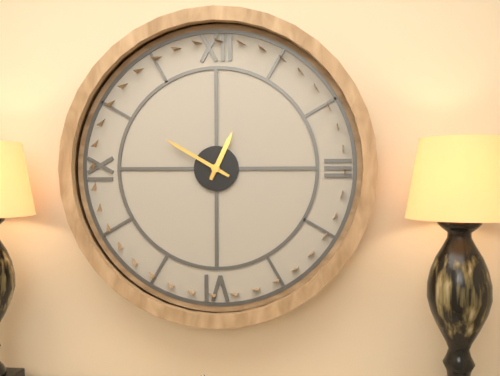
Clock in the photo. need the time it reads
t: 12:50
